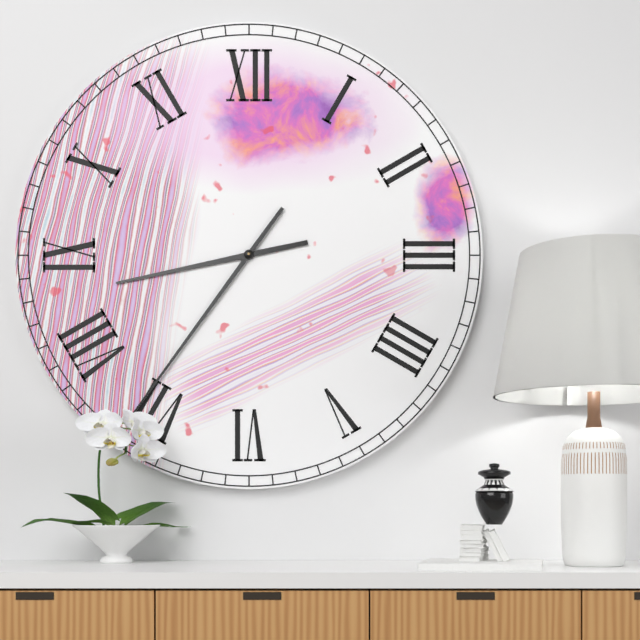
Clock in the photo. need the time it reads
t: 8:36
